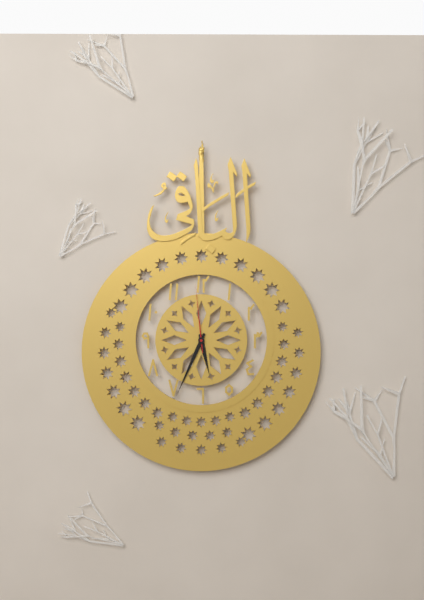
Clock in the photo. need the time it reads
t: 5:34:59
